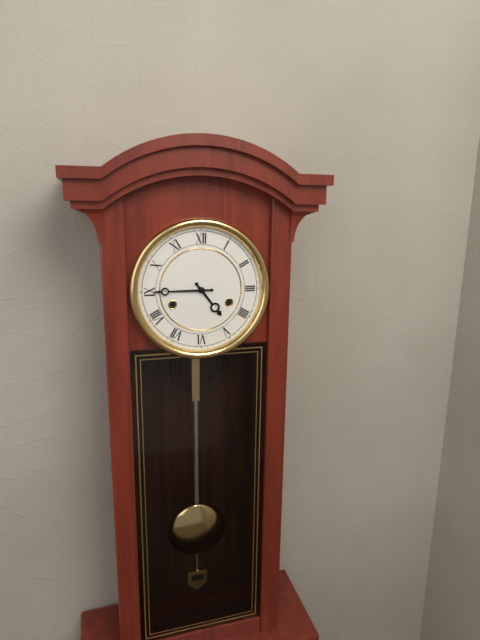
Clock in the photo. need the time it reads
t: 4:45
